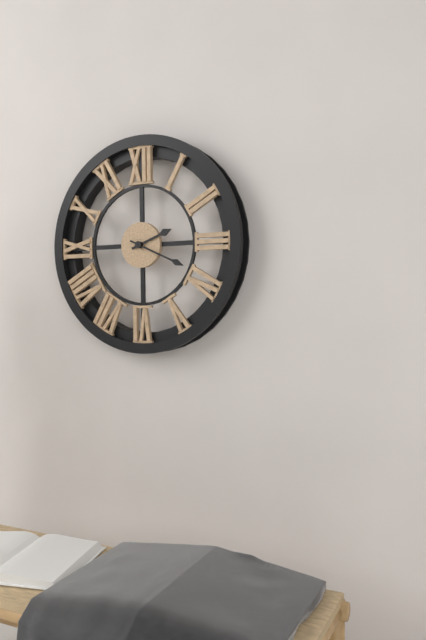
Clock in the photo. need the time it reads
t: 2:19
